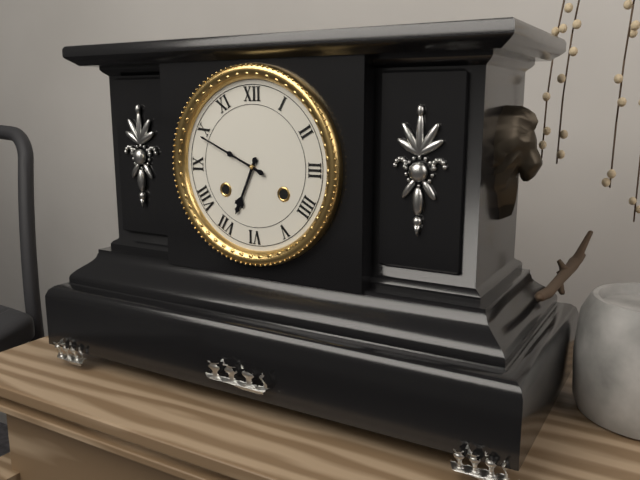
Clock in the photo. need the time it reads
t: 6:49
